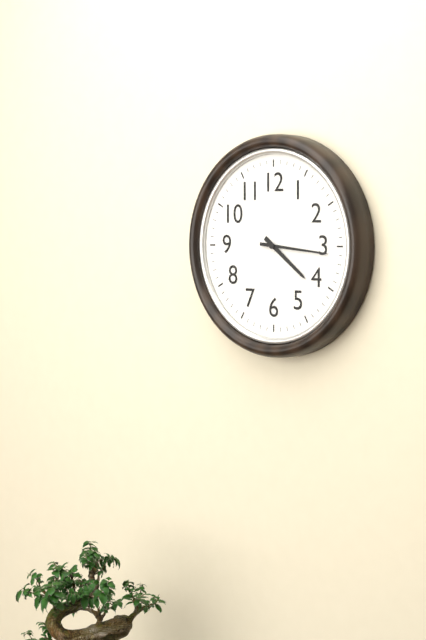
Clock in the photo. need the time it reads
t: 4:16
